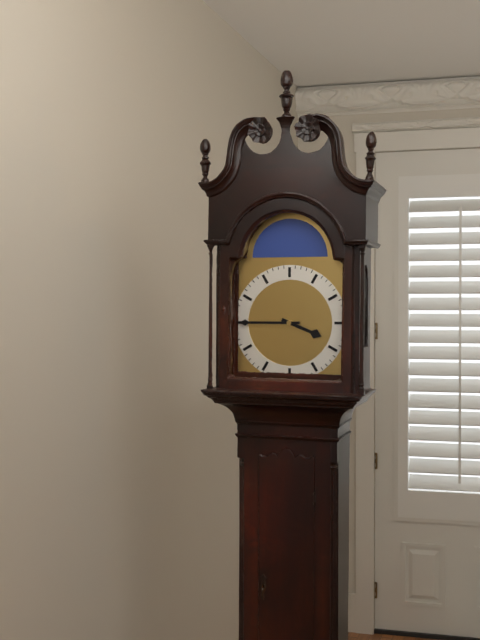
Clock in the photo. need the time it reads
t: 3:45
